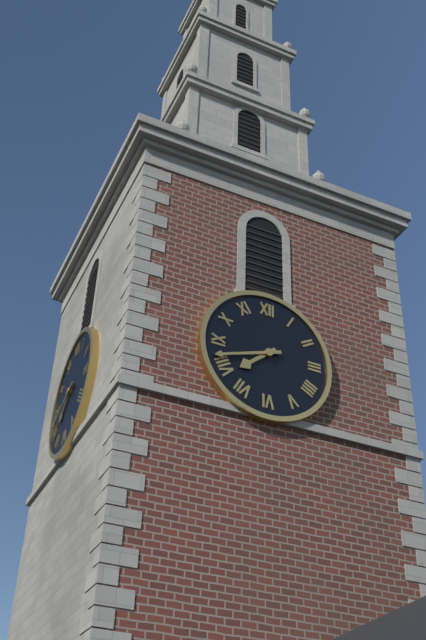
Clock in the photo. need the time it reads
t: 7:42
